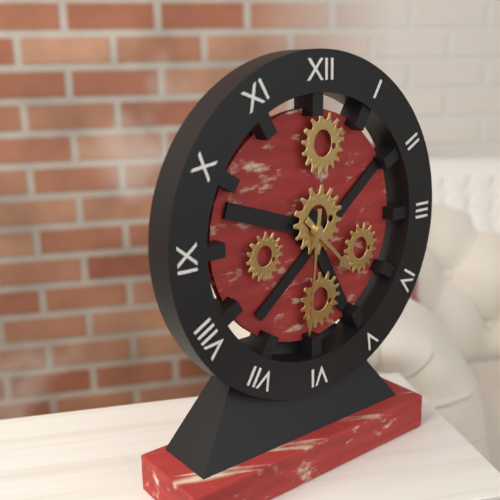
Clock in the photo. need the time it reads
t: 4:31
